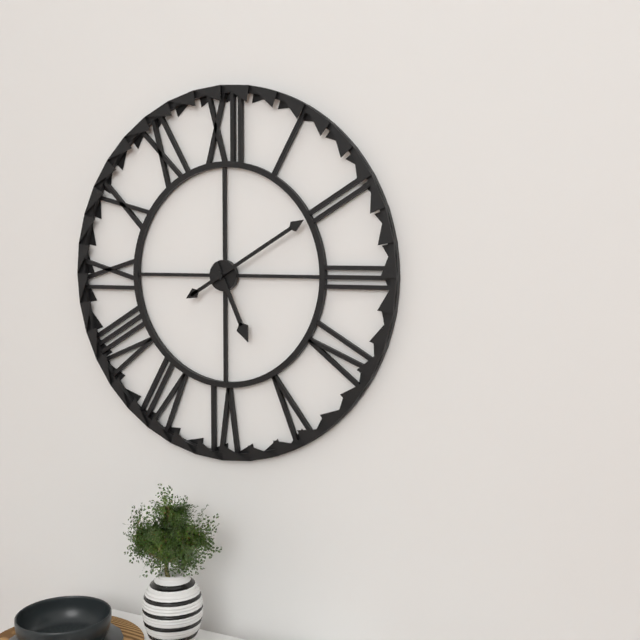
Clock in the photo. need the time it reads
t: 5:10
